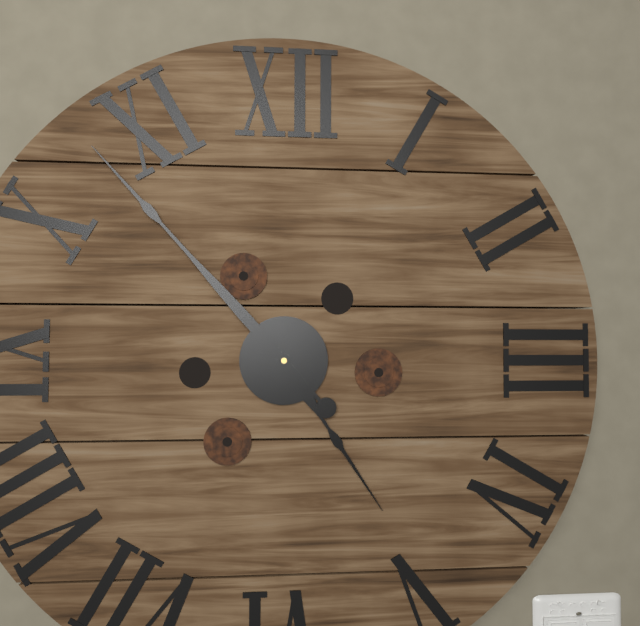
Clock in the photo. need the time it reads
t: 4:53
